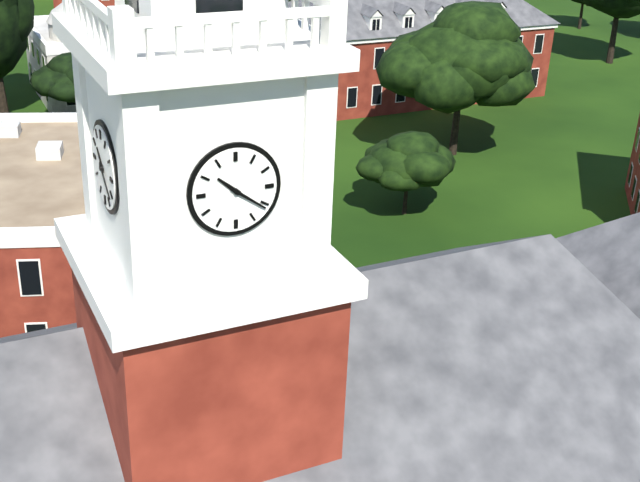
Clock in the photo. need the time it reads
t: 10:21
